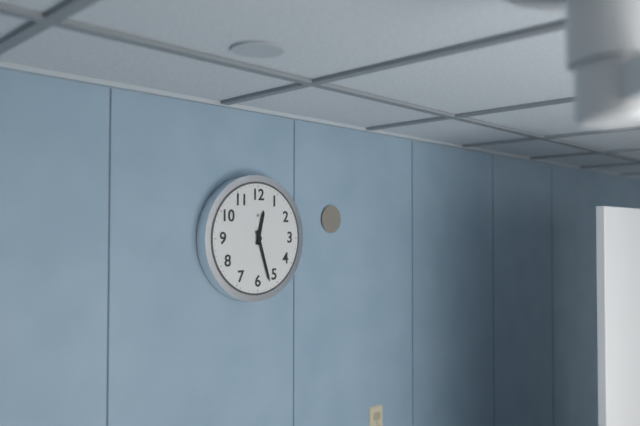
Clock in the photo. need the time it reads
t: 12:27
